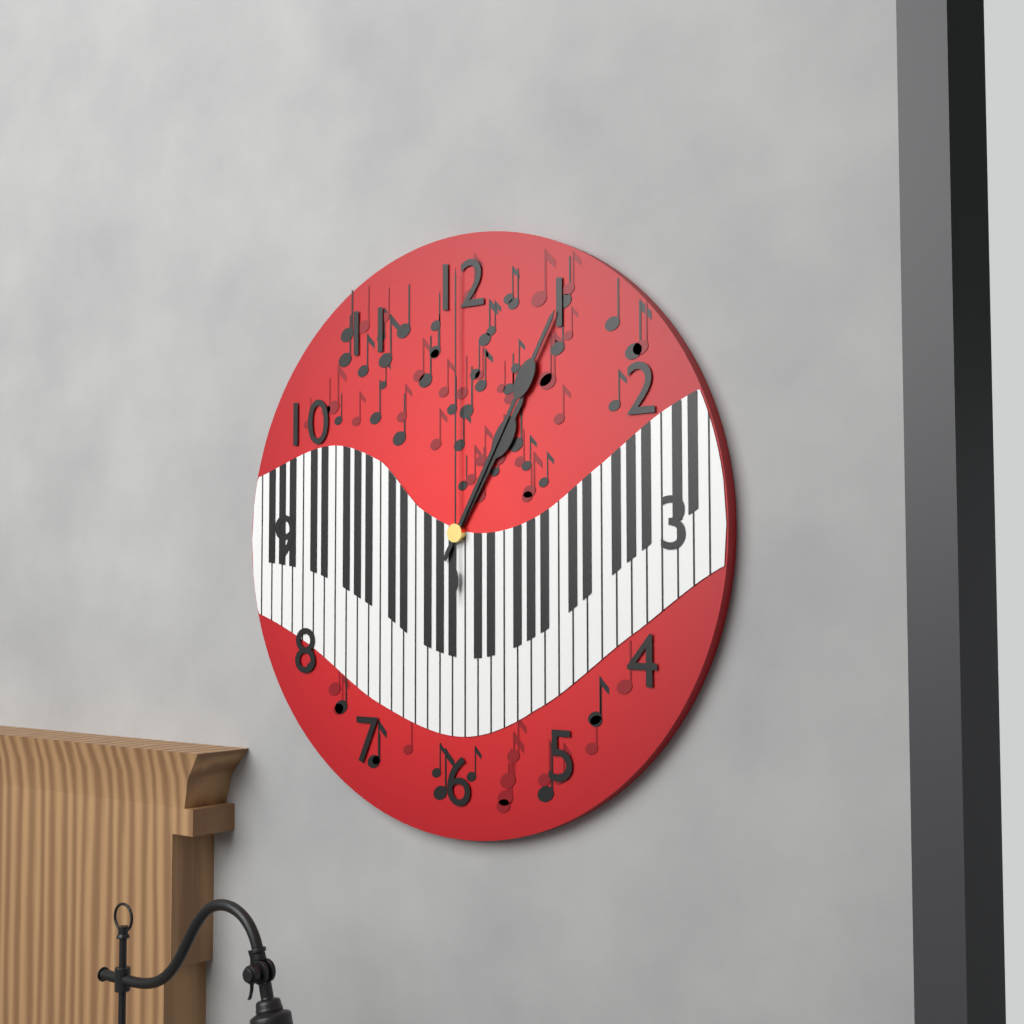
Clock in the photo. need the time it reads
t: 1:05:00
